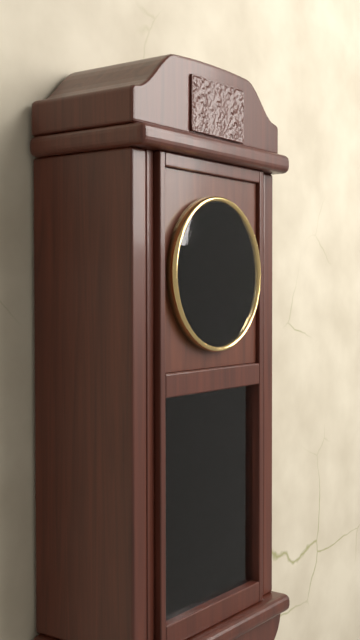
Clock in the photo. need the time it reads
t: 7:33
